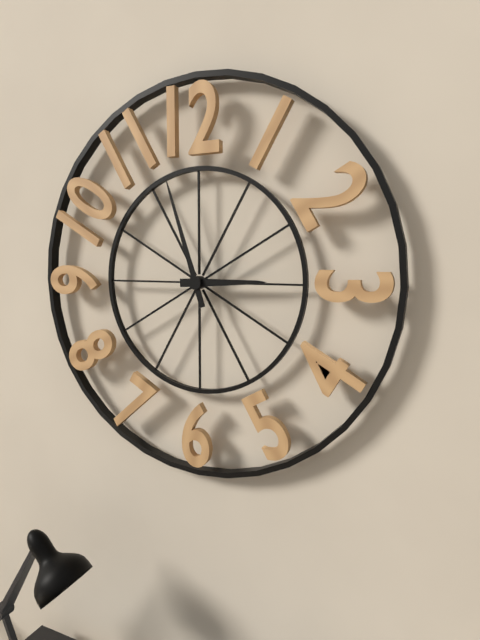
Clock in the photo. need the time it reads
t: 2:57
